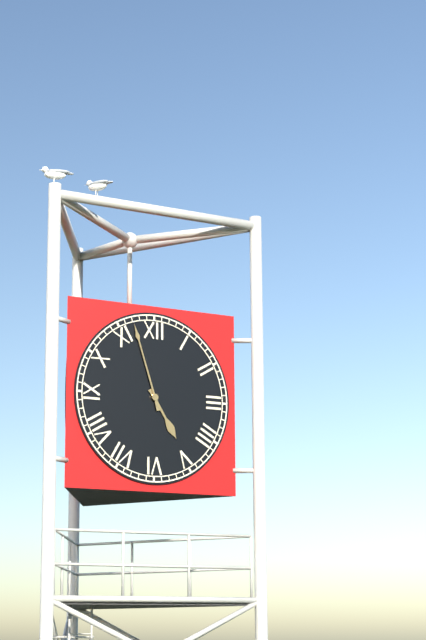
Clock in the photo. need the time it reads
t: 4:57
